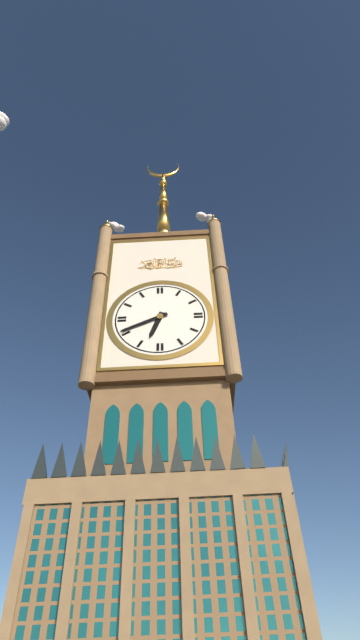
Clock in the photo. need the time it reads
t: 6:41
